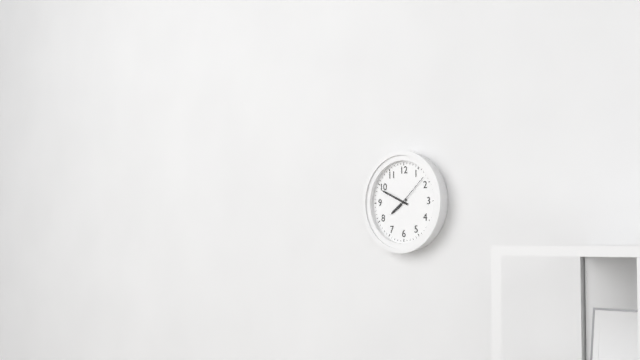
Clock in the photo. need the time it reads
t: 7:49
